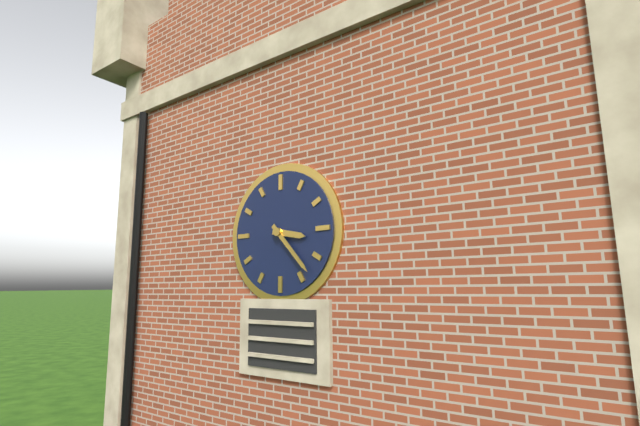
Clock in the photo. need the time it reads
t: 3:23
